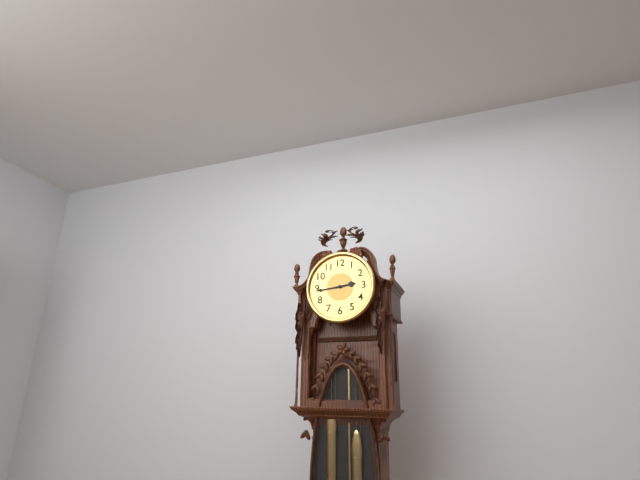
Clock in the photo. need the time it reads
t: 2:44
